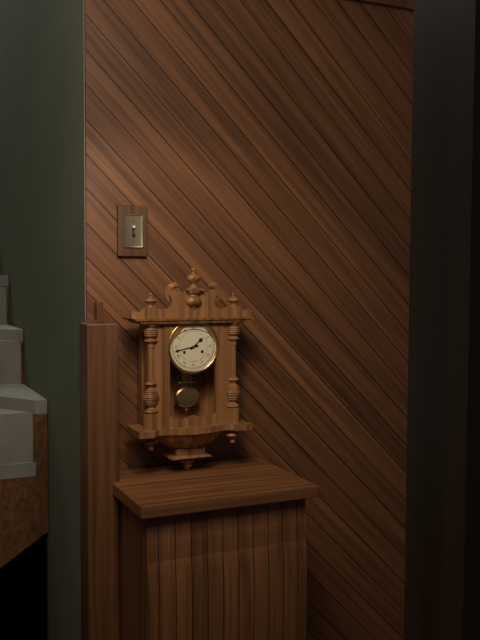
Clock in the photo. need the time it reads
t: 1:43
